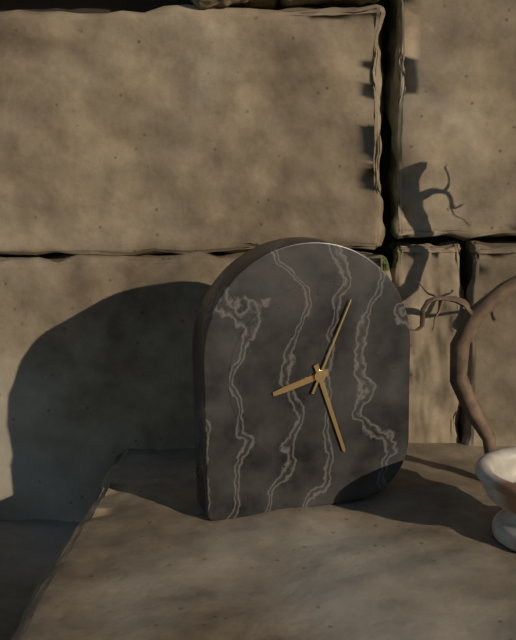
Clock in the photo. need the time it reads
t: 8:27:04
